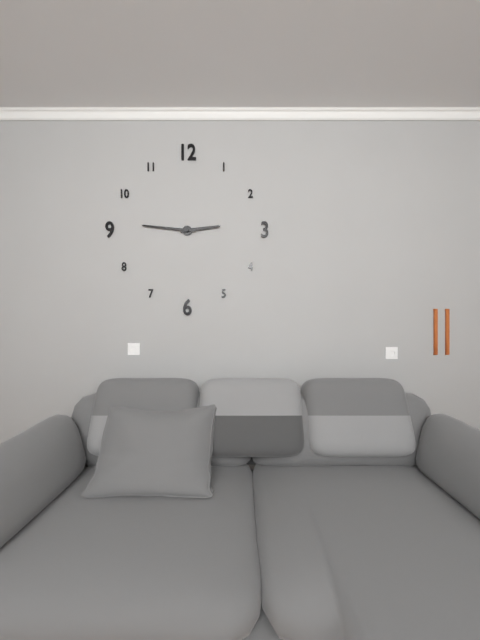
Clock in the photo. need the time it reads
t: 2:46
